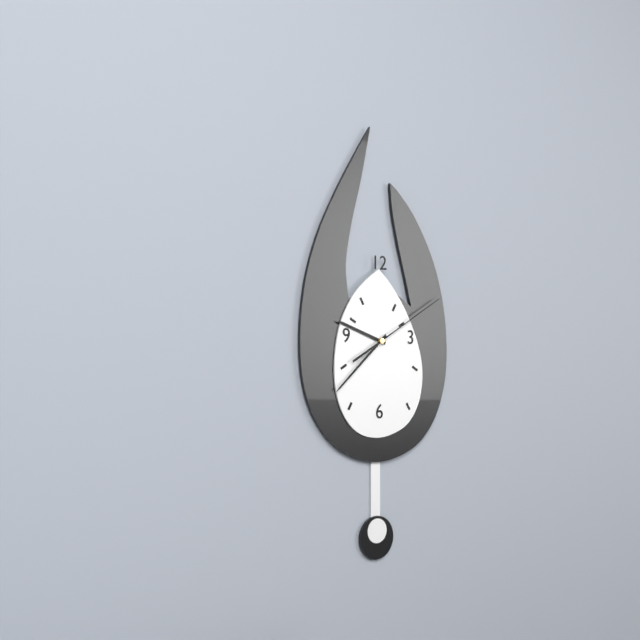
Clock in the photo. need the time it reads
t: 9:38:10
